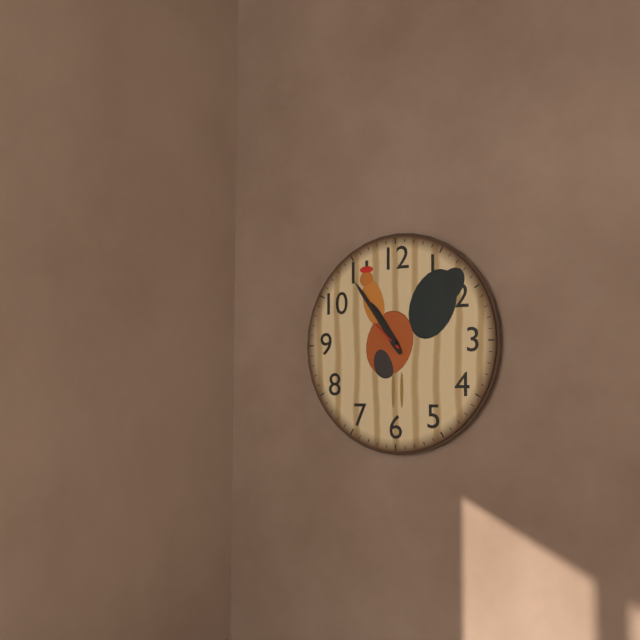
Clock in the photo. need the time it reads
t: 10:54
